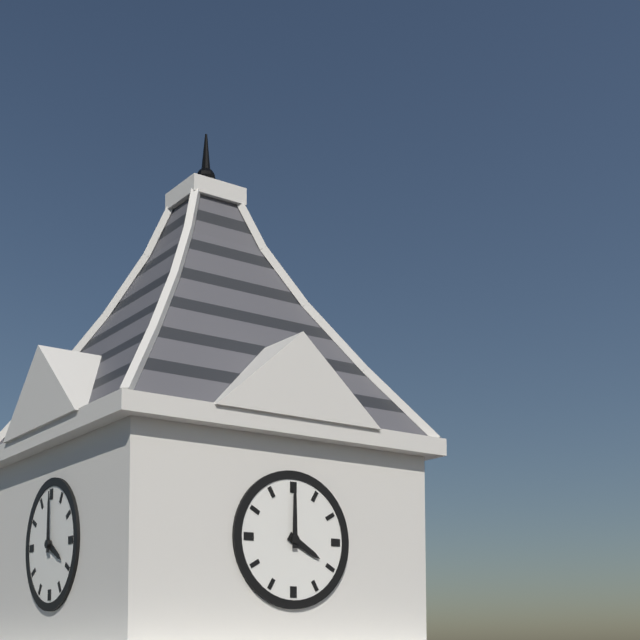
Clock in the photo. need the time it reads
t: 4:00
